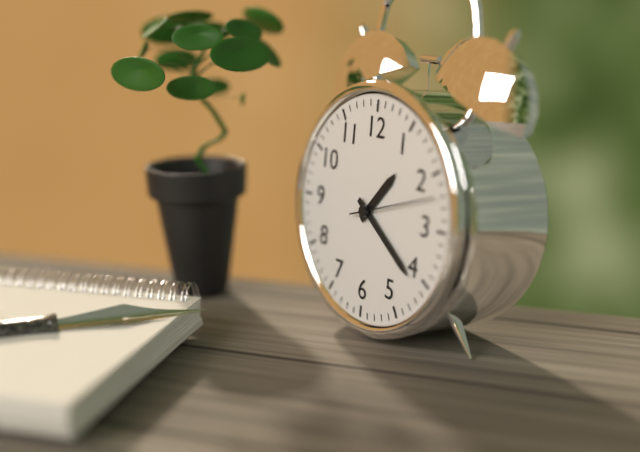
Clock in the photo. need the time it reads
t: 1:21:12
